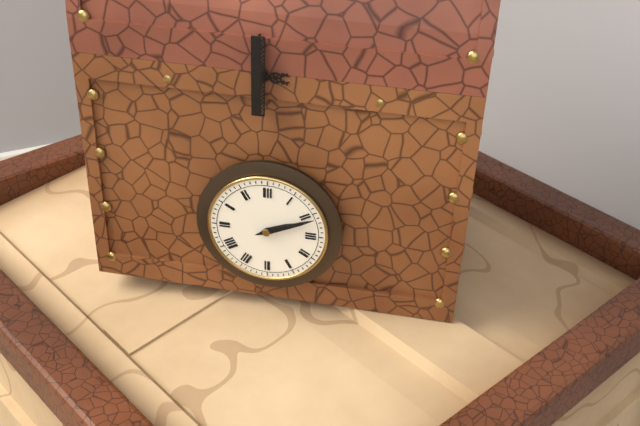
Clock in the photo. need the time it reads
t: 2:11
